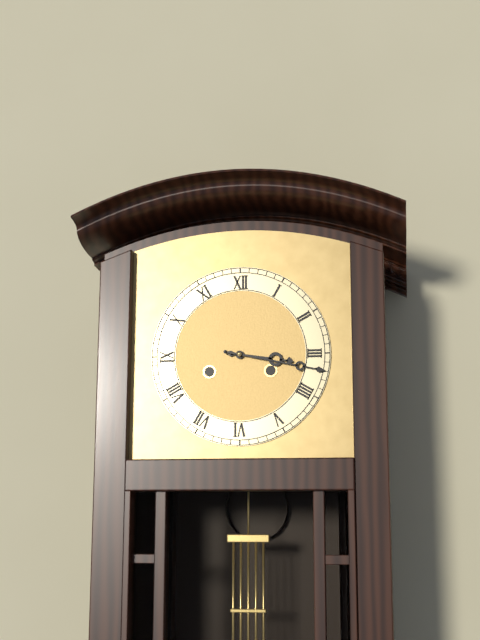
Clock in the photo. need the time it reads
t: 3:17
